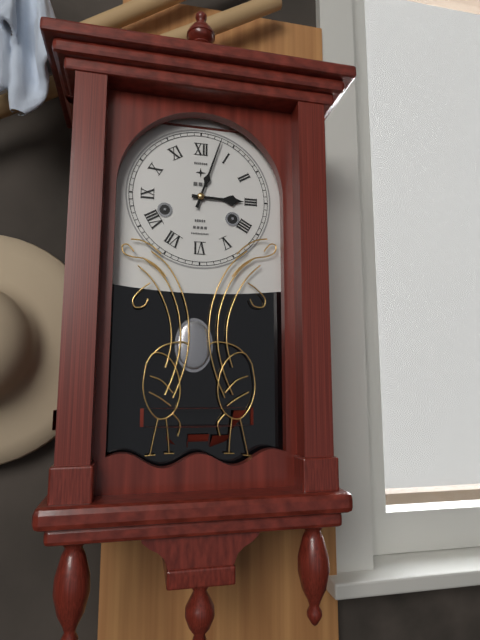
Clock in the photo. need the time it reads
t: 3:03
